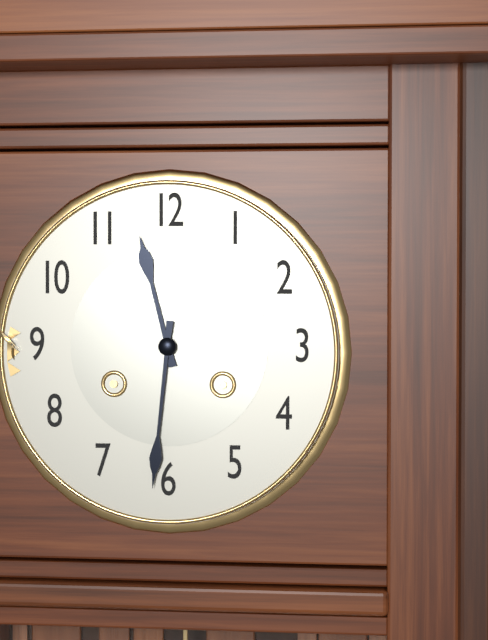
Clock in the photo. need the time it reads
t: 11:31
